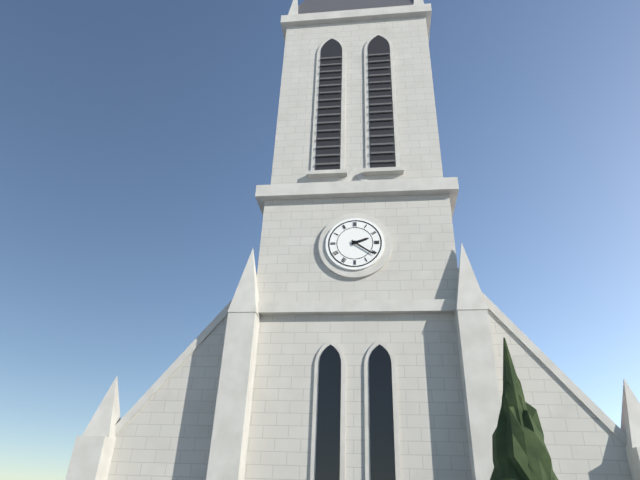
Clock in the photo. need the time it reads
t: 2:21
